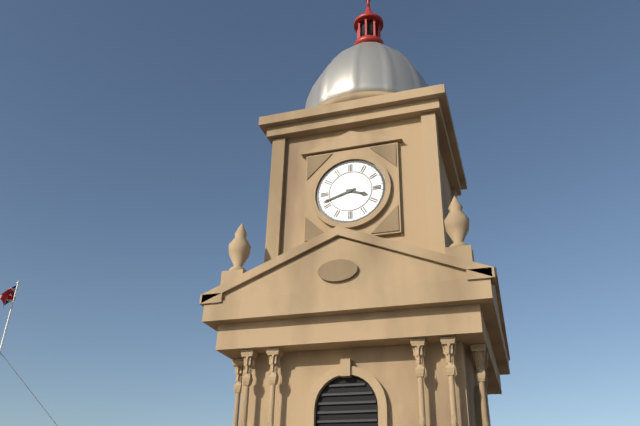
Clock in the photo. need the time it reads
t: 3:42
